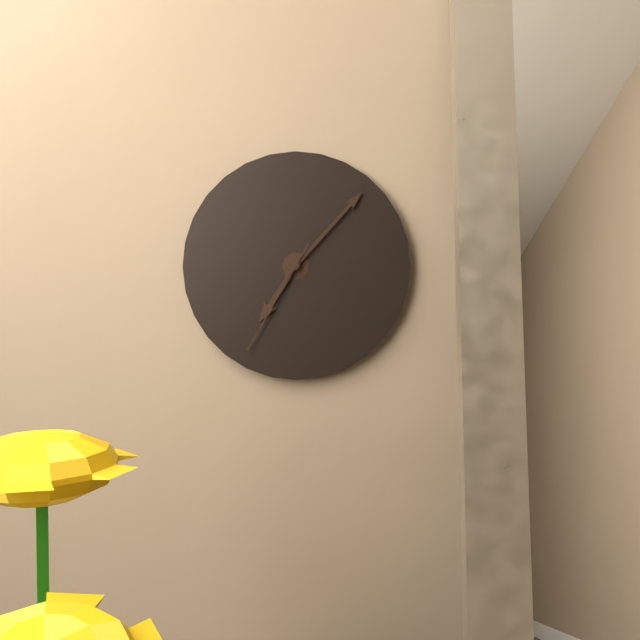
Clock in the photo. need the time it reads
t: 7:07:35
